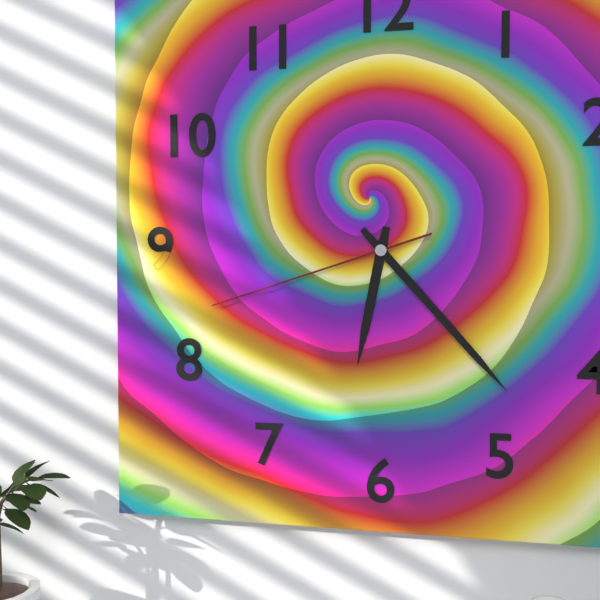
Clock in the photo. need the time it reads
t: 6:23:42
